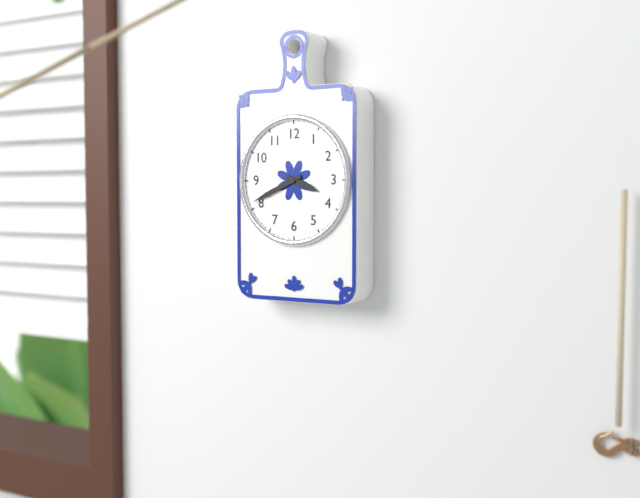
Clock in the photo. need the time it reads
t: 3:41
